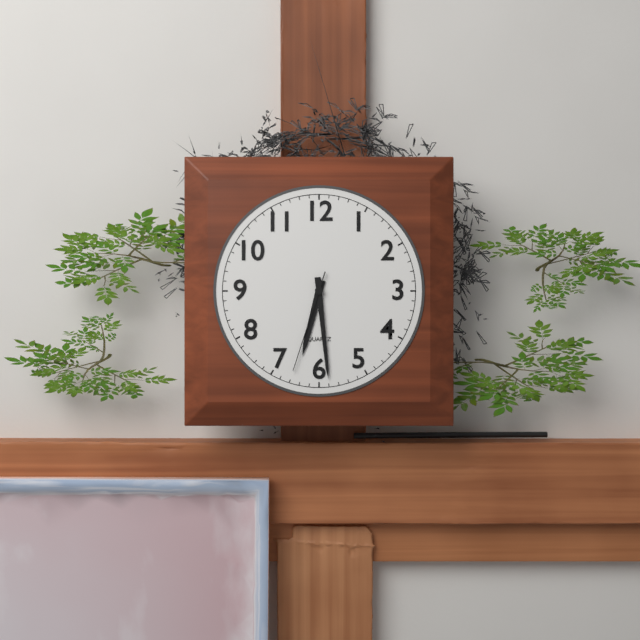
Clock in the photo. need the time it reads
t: 6:29:33
